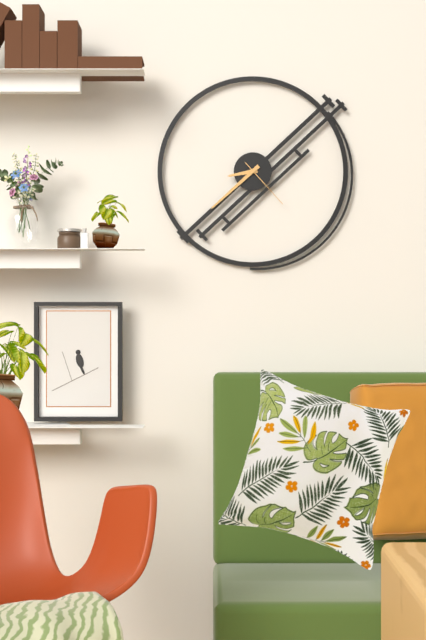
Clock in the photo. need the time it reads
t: 8:38:23
